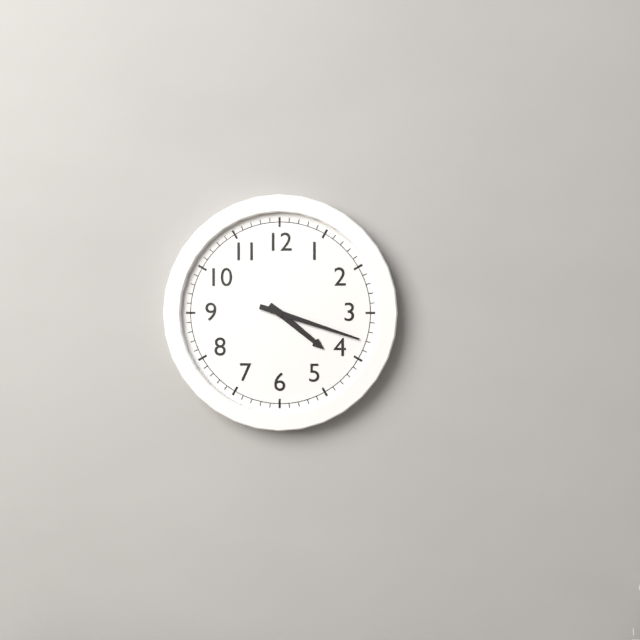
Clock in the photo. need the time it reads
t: 4:18
